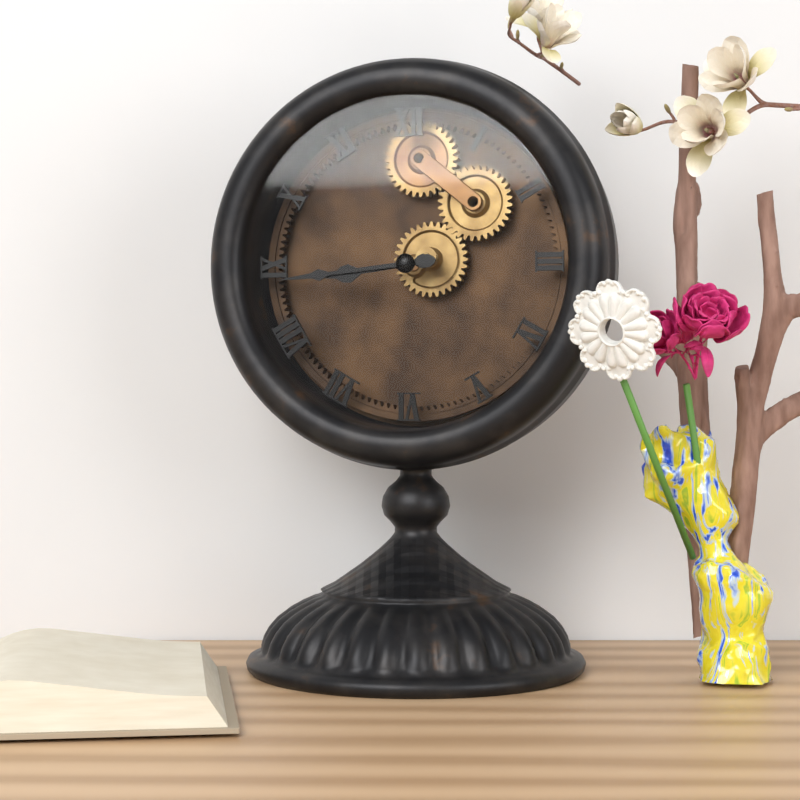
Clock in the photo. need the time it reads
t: 8:44
